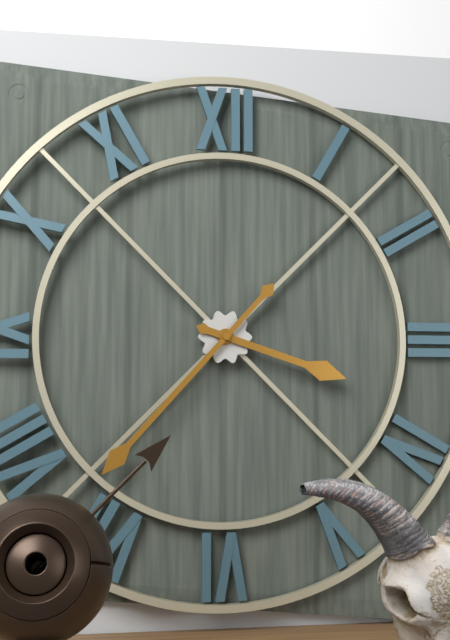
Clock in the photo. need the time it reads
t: 3:37
